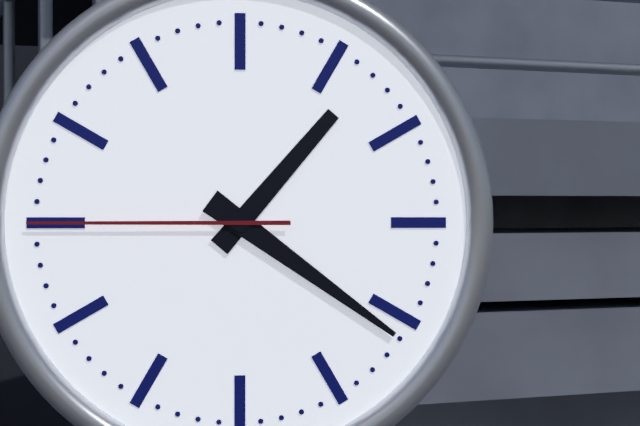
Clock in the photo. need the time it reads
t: 1:21:45
